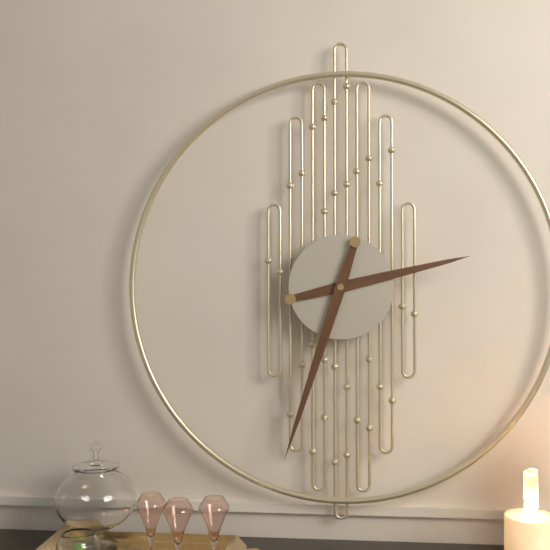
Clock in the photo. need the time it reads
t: 2:33
